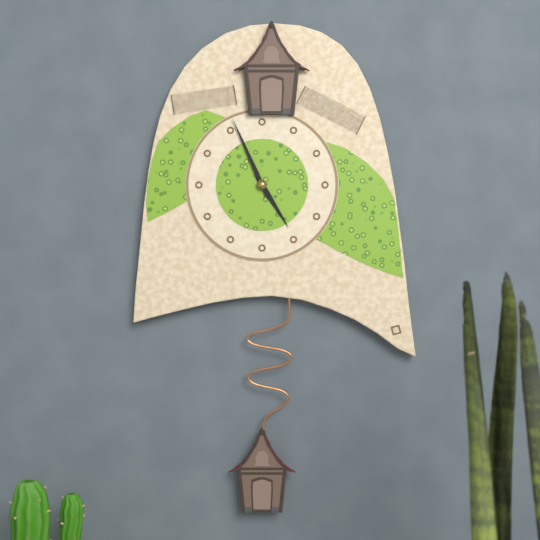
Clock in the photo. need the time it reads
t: 4:56
